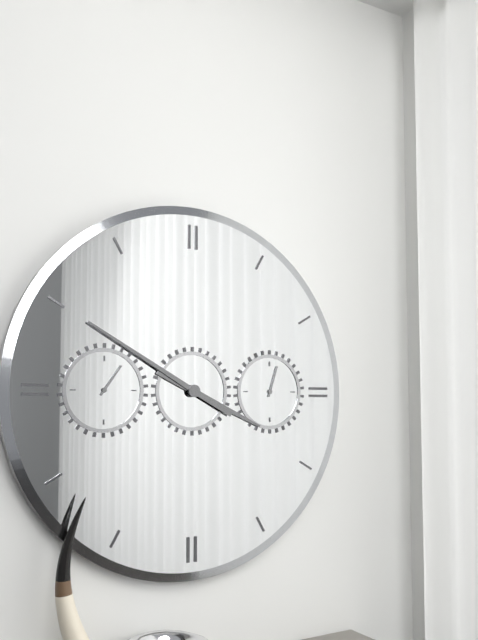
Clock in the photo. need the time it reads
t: 3:50
